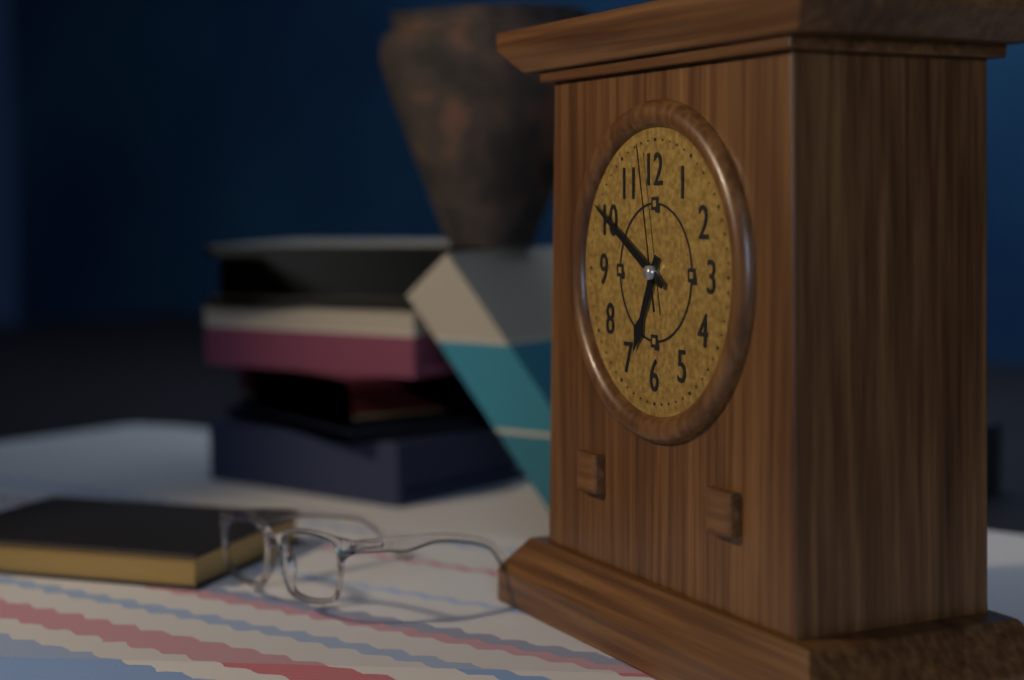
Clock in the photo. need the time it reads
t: 6:50:58
